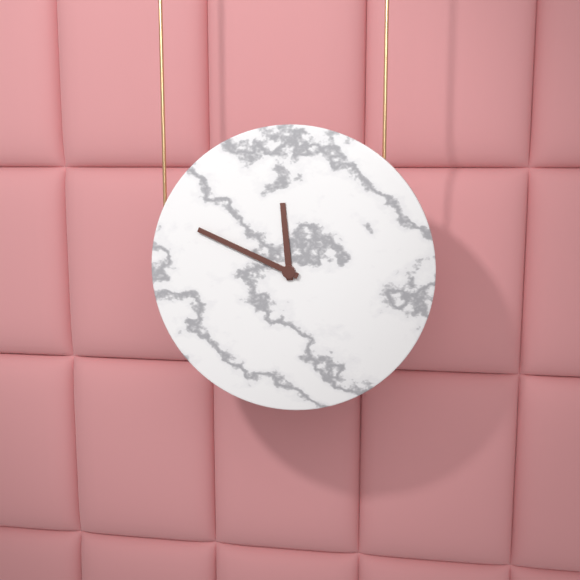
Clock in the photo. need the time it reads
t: 11:49
